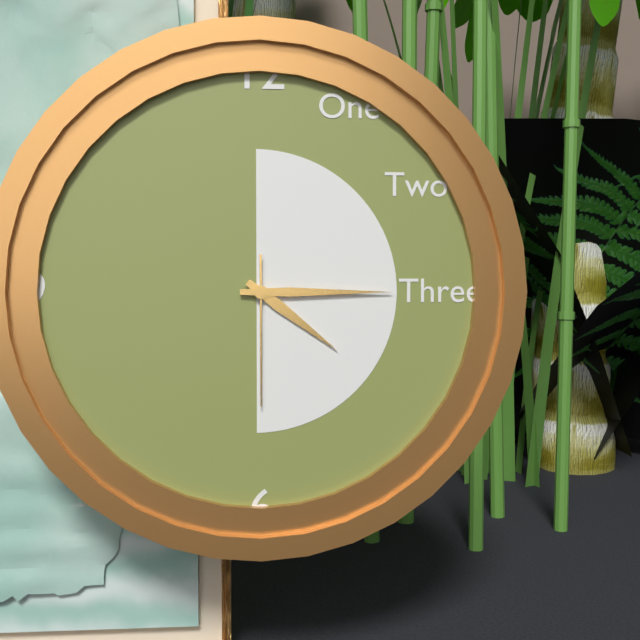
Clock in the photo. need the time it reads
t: 4:15:30
